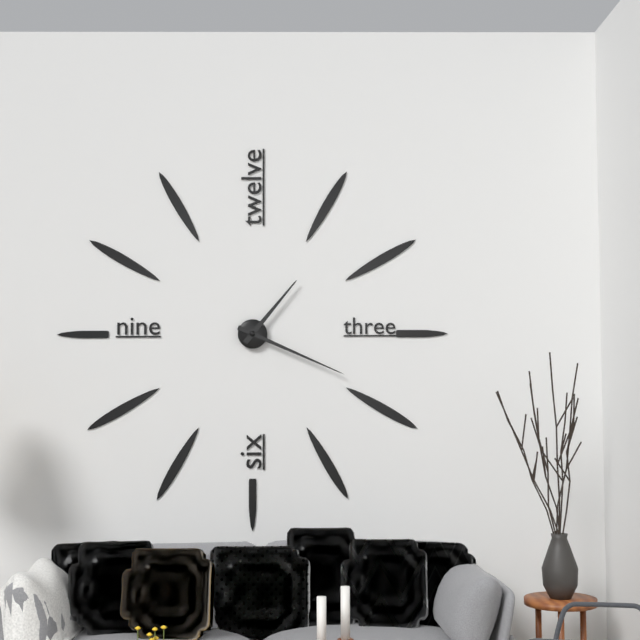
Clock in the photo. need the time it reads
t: 1:19
